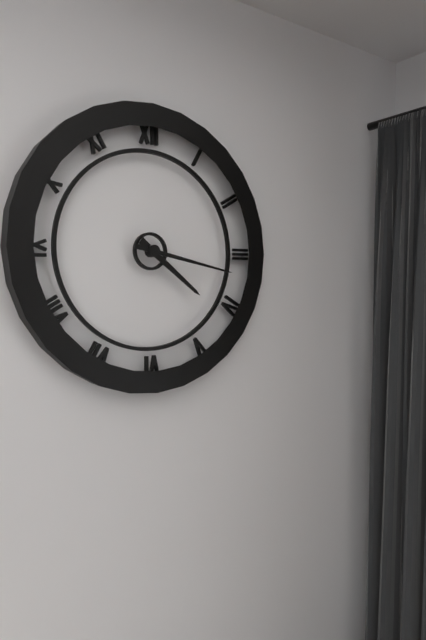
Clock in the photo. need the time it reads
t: 4:17
